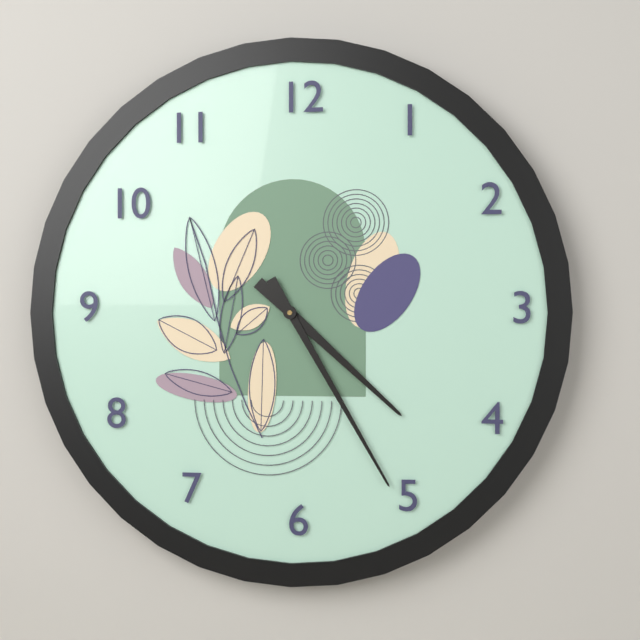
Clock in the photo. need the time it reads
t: 4:25
